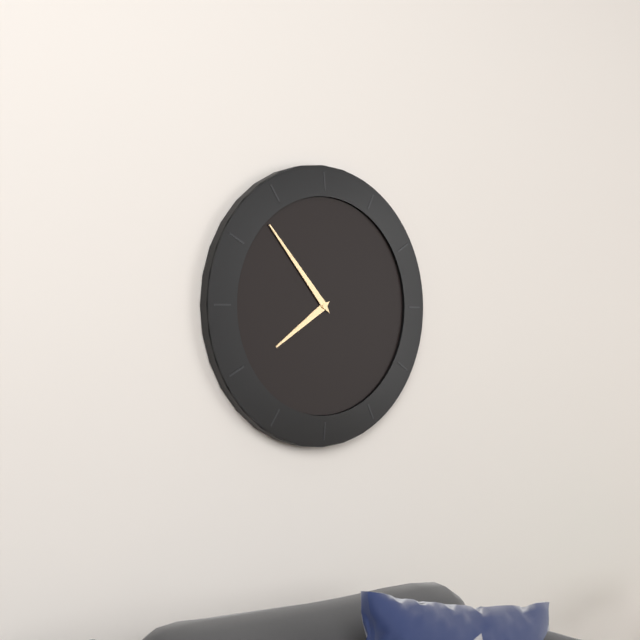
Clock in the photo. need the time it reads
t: 7:53
